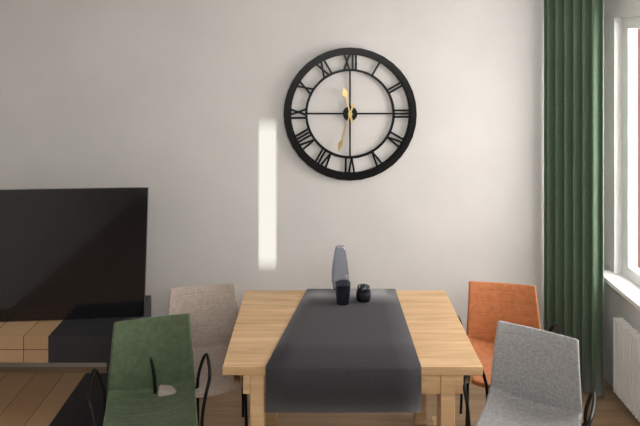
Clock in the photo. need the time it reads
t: 11:33
